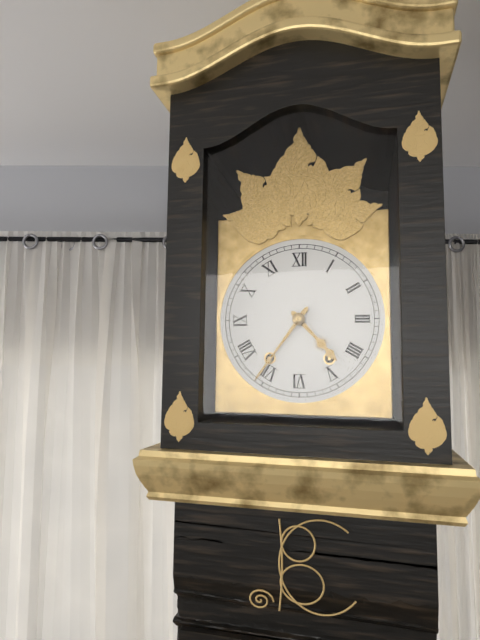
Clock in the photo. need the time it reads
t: 4:36
